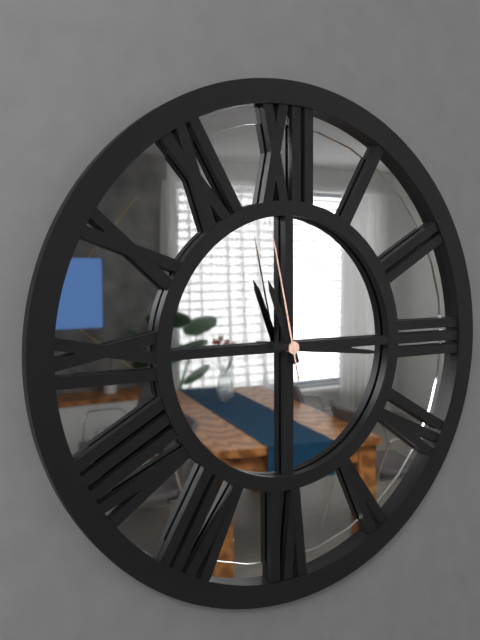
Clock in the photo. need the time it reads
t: 11:16:58
